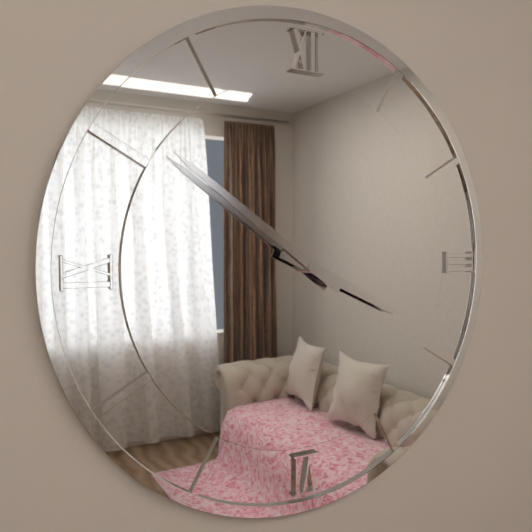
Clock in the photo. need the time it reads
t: 3:51
